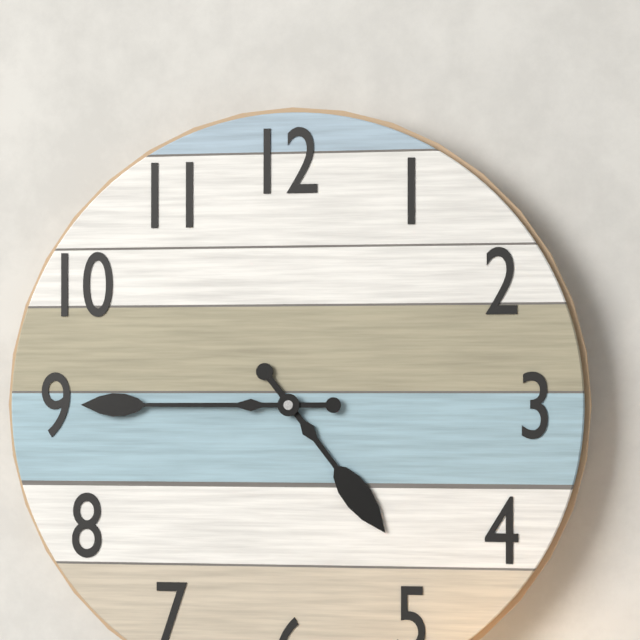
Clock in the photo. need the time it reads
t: 4:45
